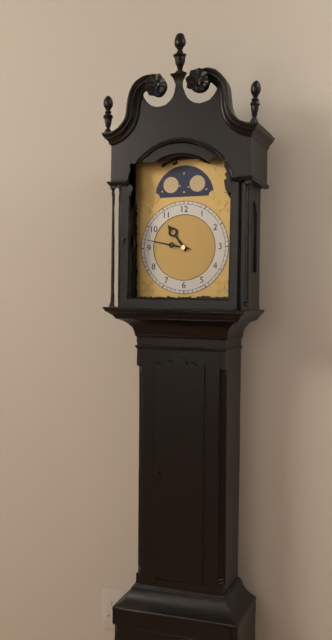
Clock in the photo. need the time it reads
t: 10:47
